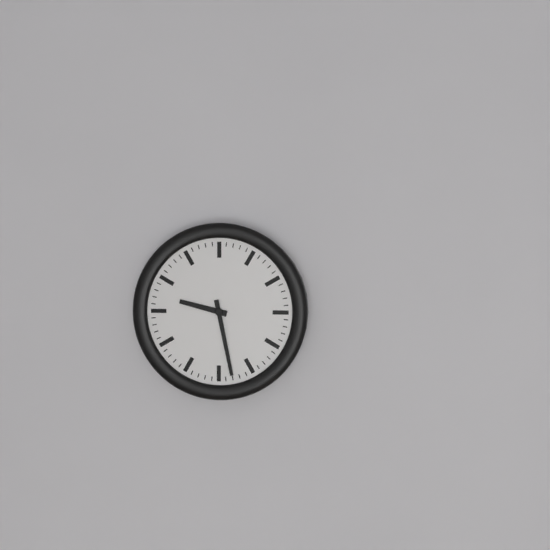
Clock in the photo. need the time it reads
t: 9:28
